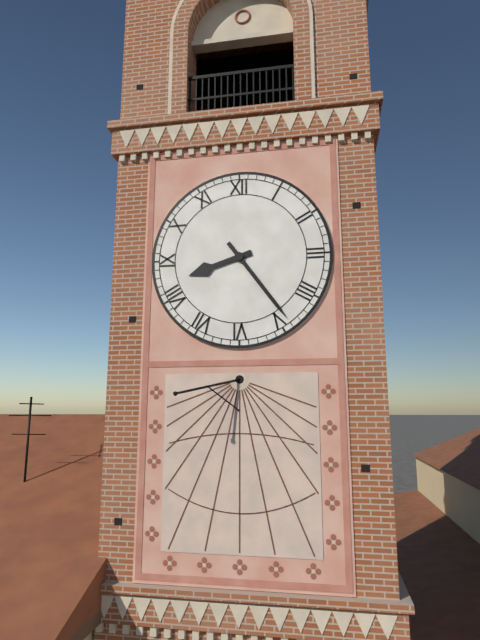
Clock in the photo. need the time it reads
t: 8:24
